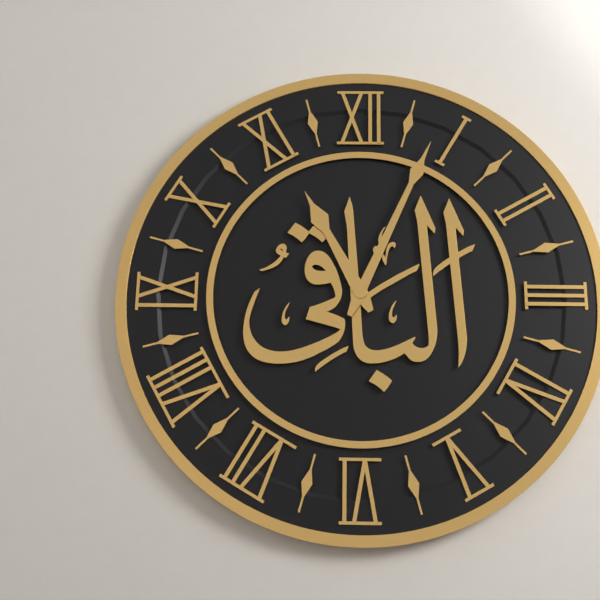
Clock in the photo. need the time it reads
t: 11:04
